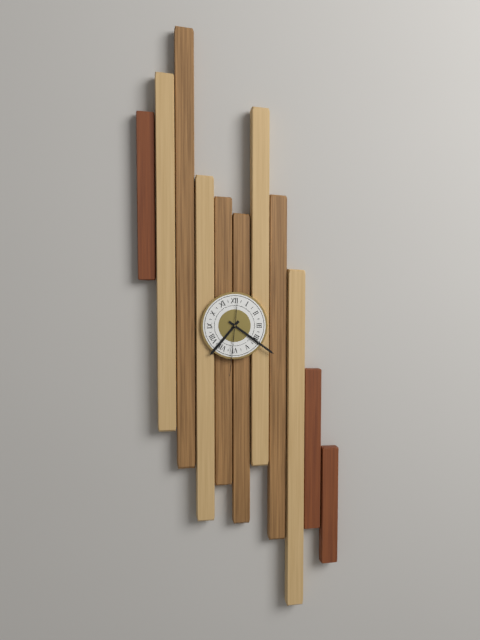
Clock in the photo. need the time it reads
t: 7:21:31
